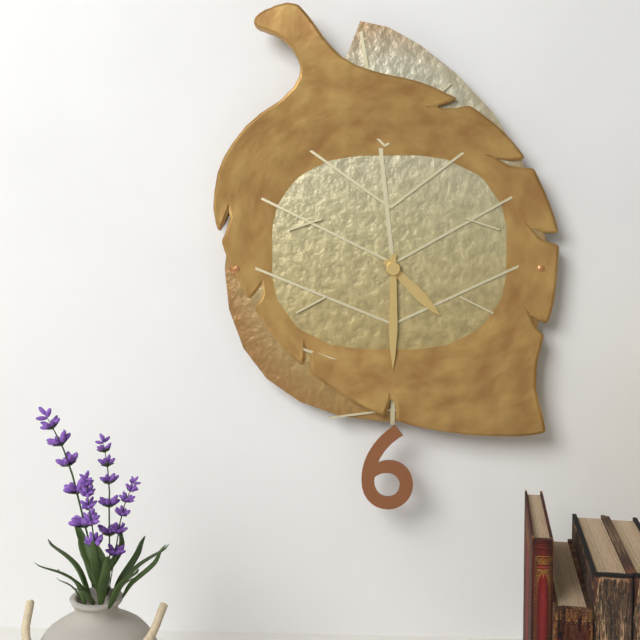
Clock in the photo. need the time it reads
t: 4:30
